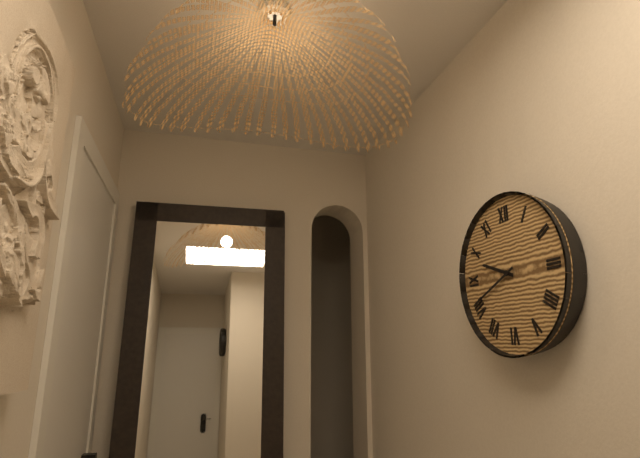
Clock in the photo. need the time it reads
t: 9:41
